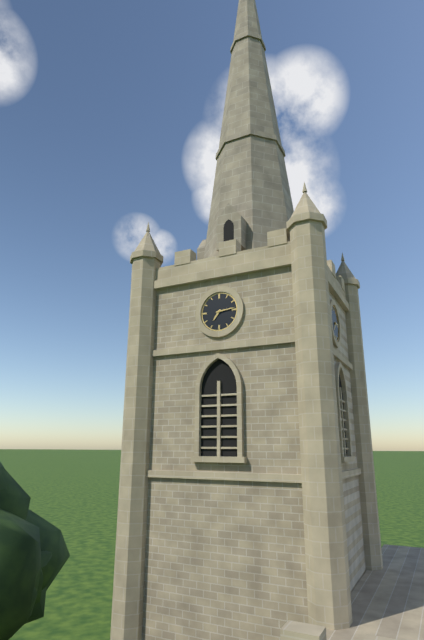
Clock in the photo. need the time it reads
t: 7:14
